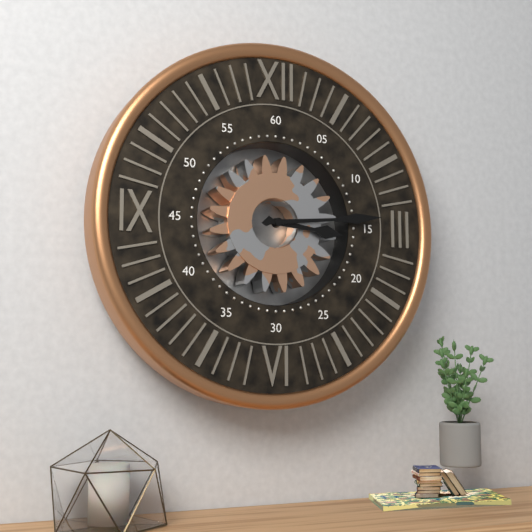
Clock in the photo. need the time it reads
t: 3:14
